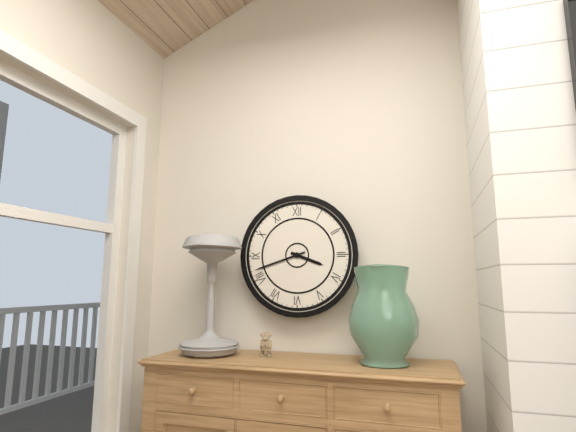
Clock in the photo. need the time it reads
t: 3:42
